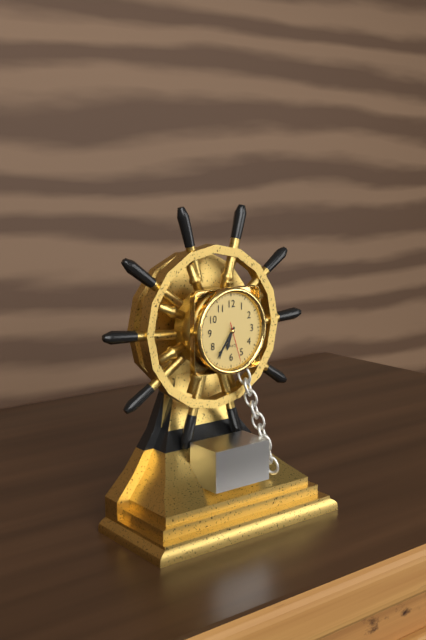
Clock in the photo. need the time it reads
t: 6:36
